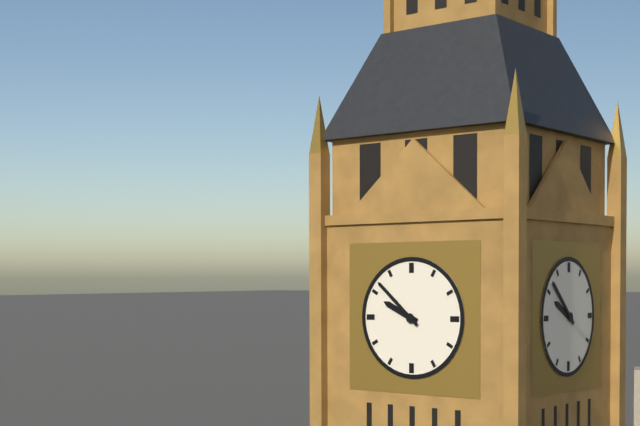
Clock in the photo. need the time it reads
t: 9:52
